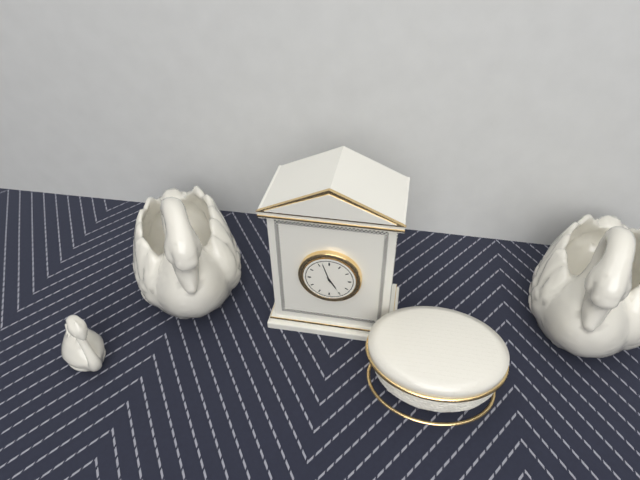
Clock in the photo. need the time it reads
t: 4:57
